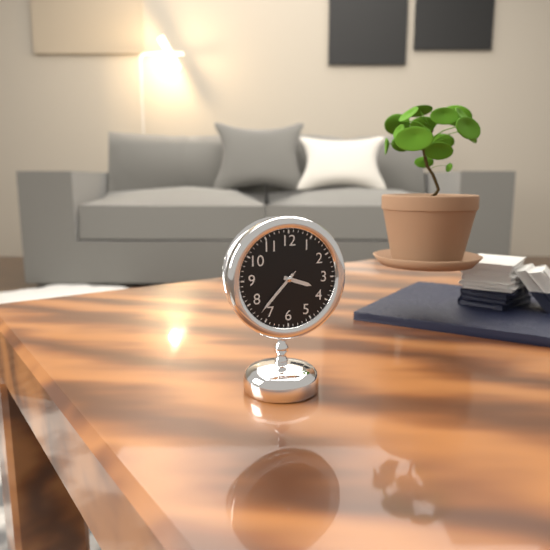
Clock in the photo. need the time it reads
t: 3:37:37
